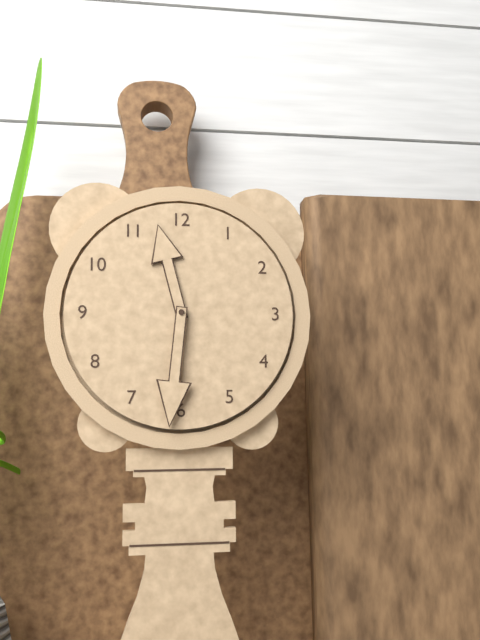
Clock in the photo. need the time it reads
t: 11:31
